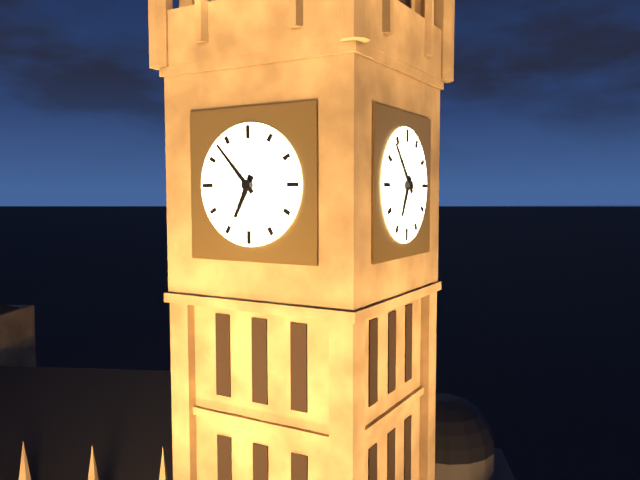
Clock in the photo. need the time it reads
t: 6:53
